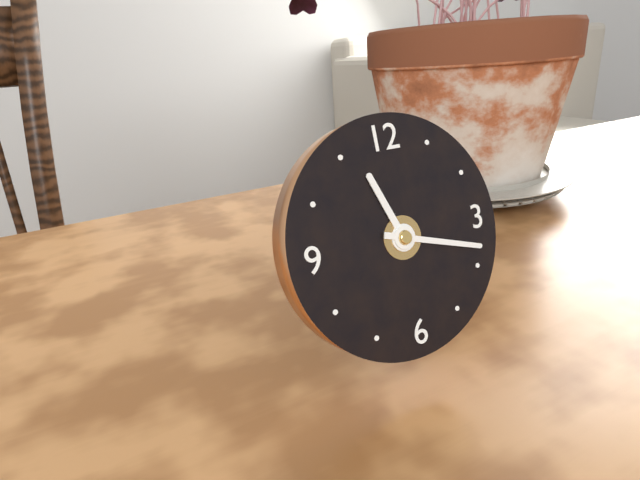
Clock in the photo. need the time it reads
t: 11:18
